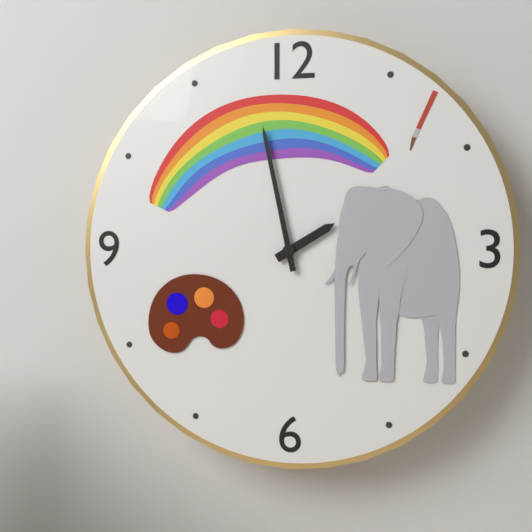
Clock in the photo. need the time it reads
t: 1:58
